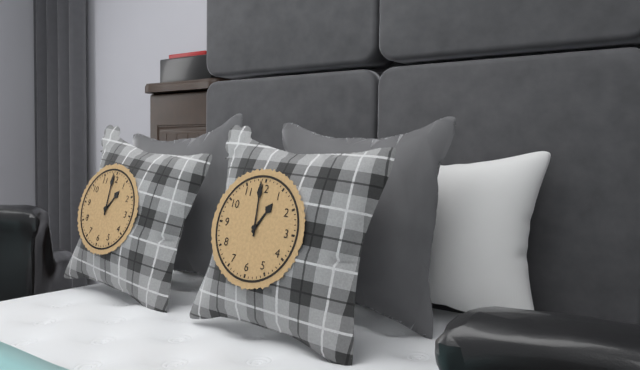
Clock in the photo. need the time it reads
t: 12:59
